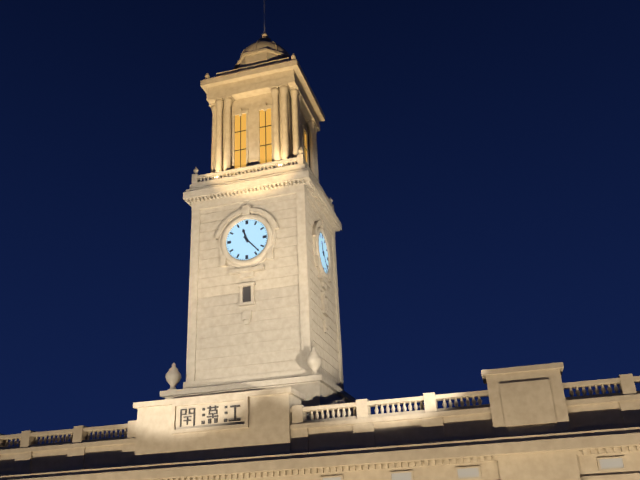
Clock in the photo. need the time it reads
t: 11:23
